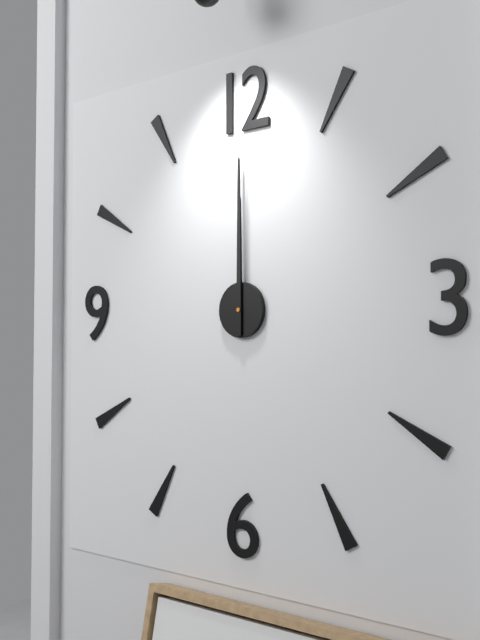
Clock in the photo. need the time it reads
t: 12:00
